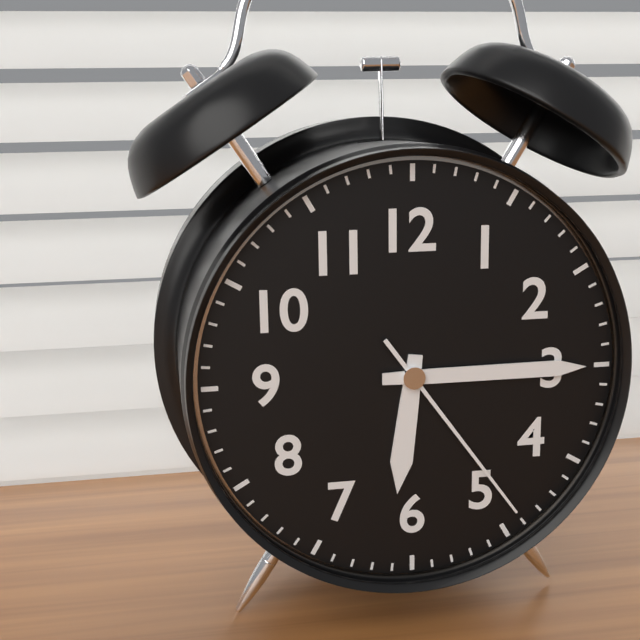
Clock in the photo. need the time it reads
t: 6:15:24
